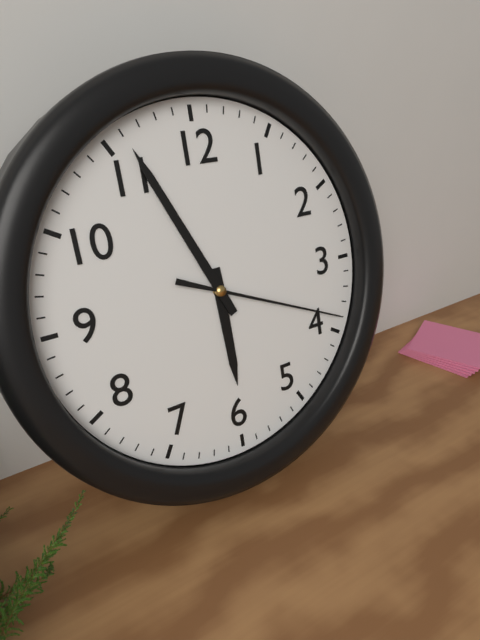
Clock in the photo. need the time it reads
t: 5:56:19
